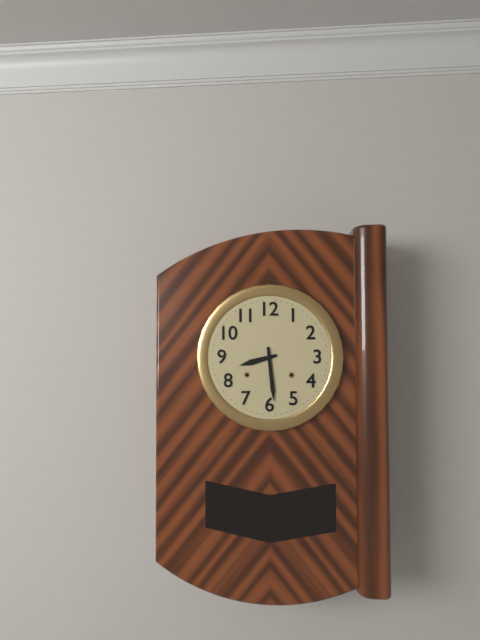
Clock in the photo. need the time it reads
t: 8:29
